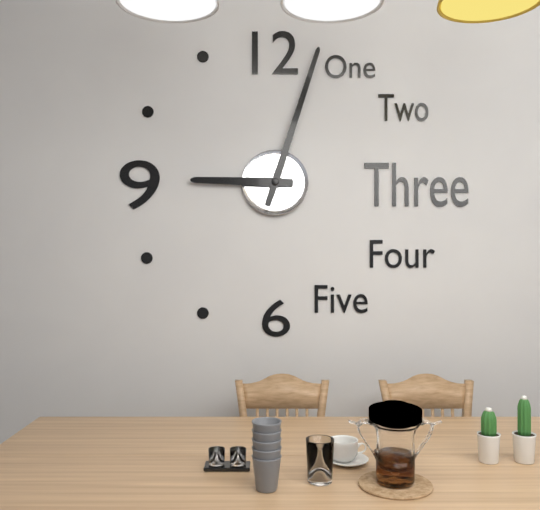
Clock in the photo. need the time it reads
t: 9:03
